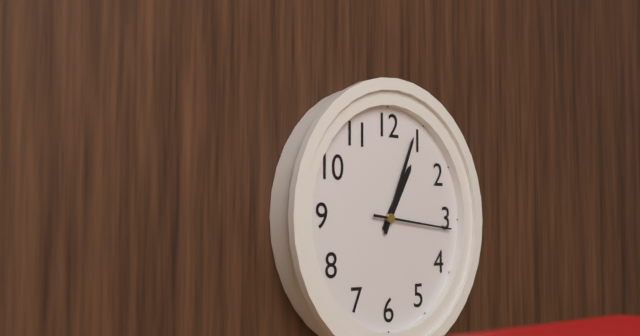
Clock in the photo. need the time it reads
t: 1:04:16
